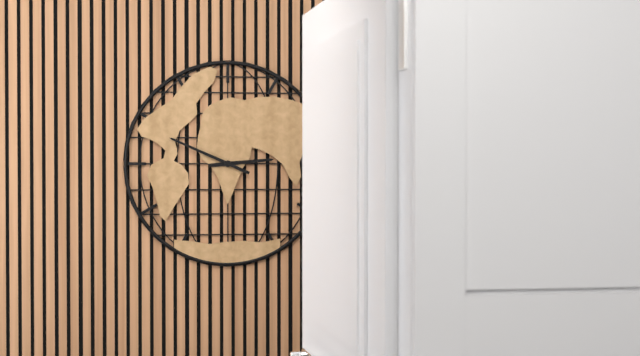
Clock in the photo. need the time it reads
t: 2:49
